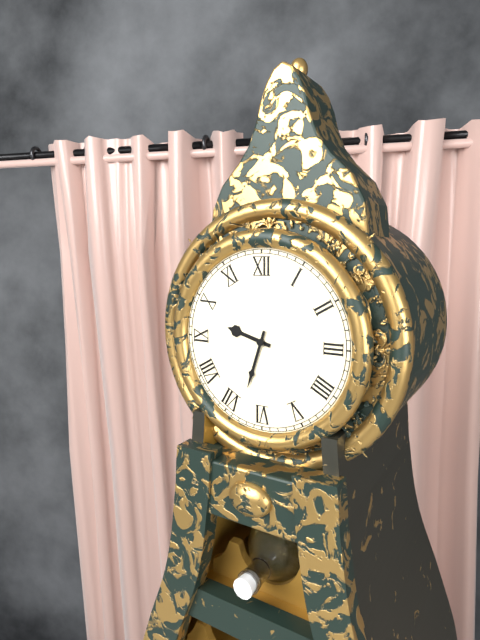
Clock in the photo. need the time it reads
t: 9:33
